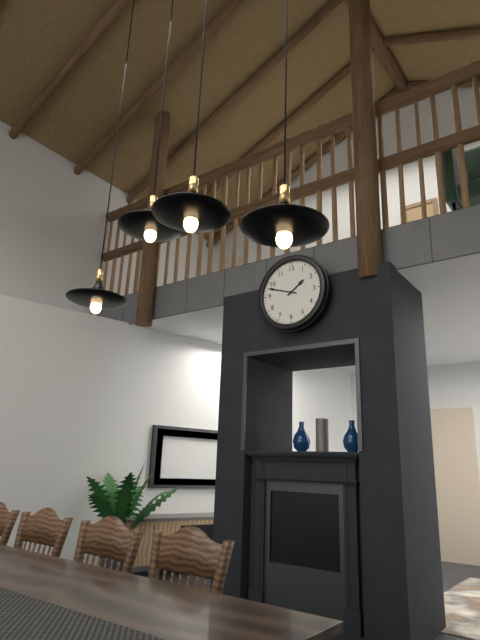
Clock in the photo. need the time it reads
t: 1:48
